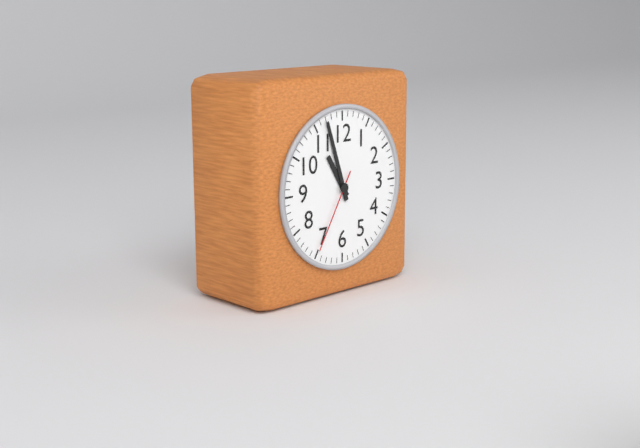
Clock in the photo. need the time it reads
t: 10:57:35
